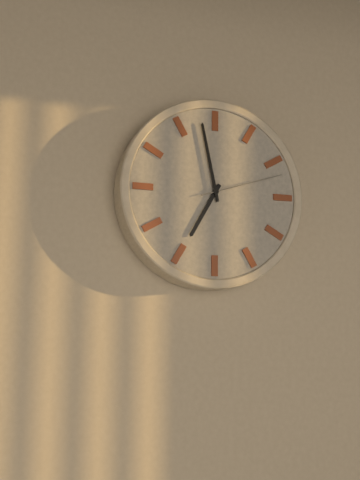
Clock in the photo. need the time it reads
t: 6:58:12
